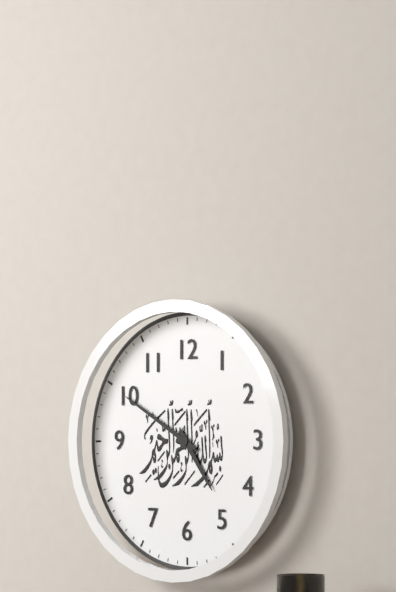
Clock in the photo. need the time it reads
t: 4:50
